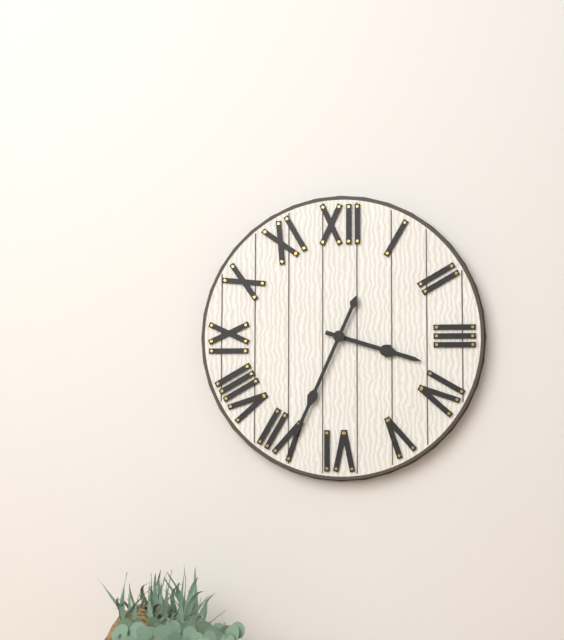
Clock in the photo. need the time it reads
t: 3:34
